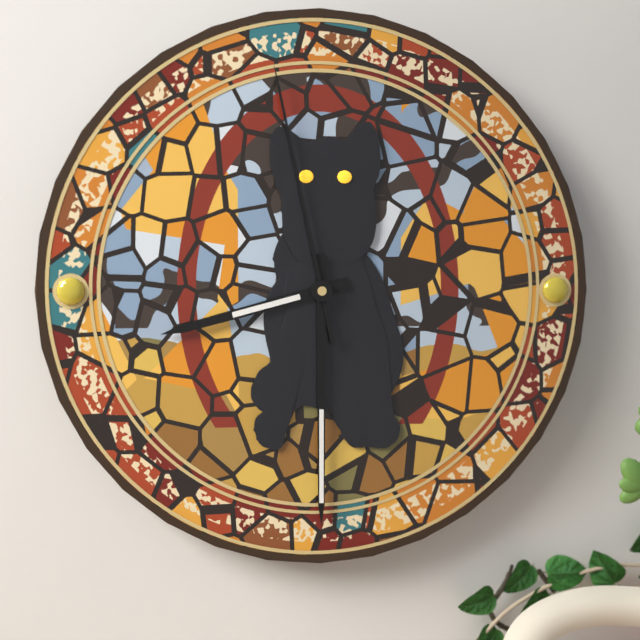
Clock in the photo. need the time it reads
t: 8:30:58
